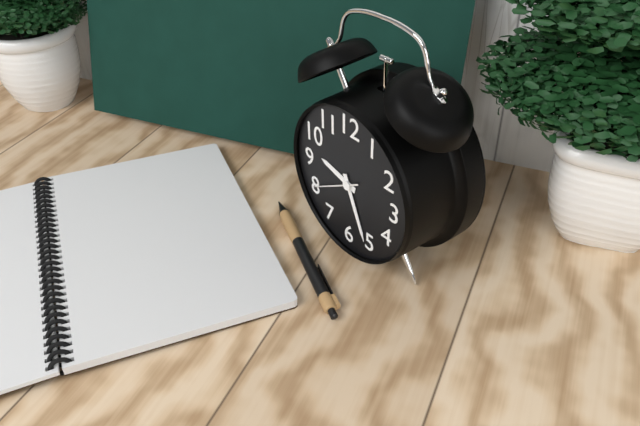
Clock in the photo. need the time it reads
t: 9:26
